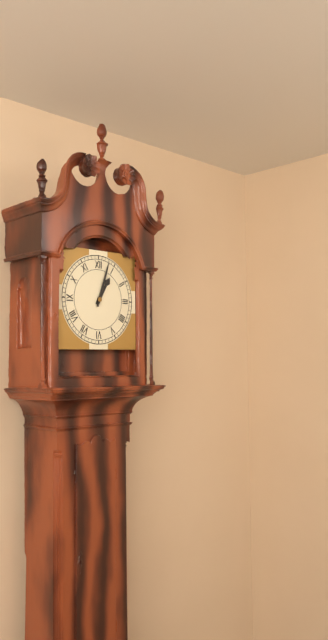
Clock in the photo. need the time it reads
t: 1:03
